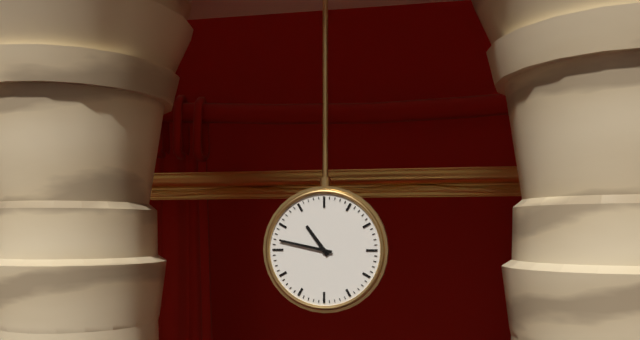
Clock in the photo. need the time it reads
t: 10:47
